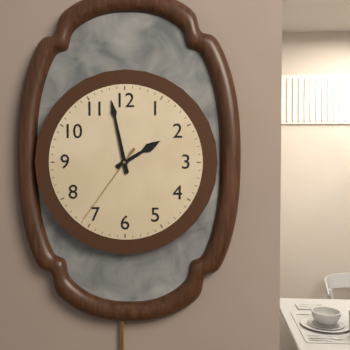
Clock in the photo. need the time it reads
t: 1:58:36
